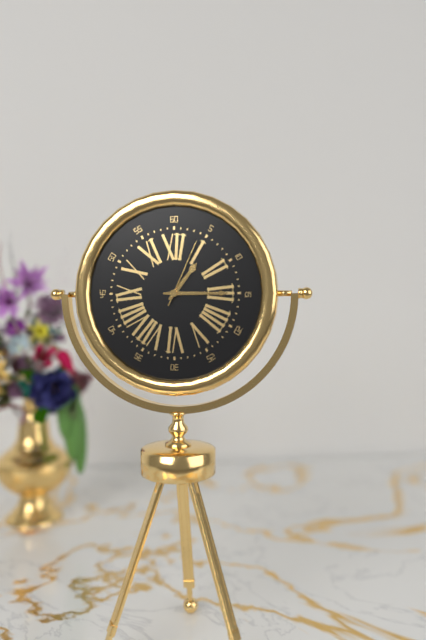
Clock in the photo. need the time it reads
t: 1:15:04
